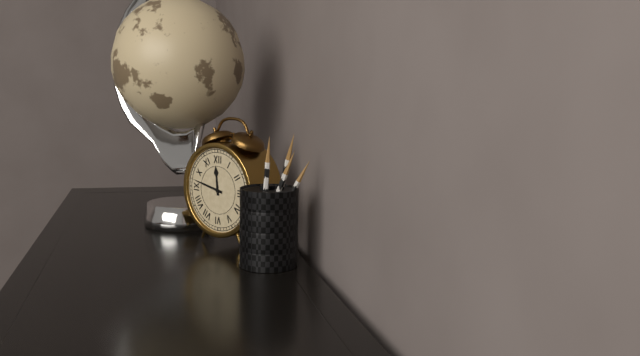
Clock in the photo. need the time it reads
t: 11:47
